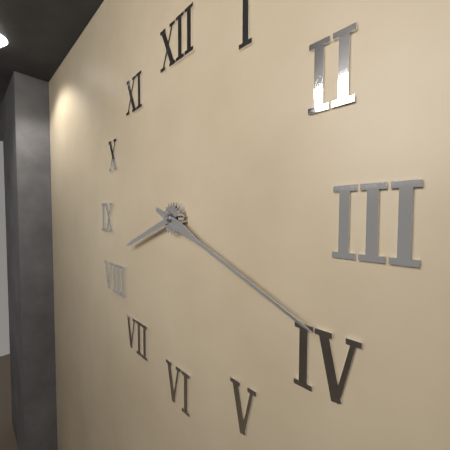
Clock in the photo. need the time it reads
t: 8:19
